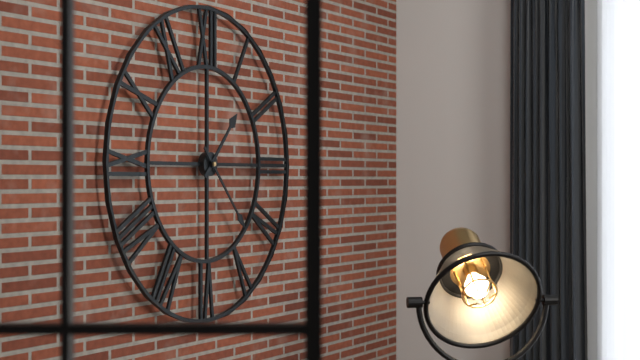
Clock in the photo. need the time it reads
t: 1:23
